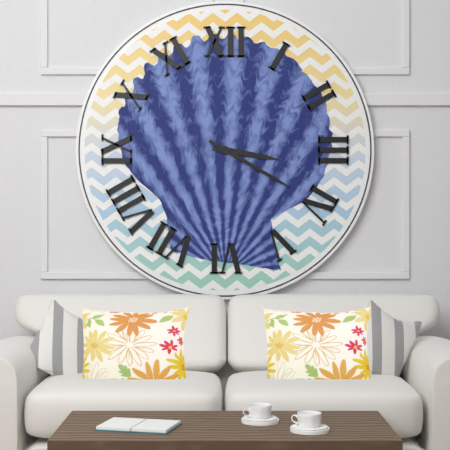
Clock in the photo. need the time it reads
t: 3:20
